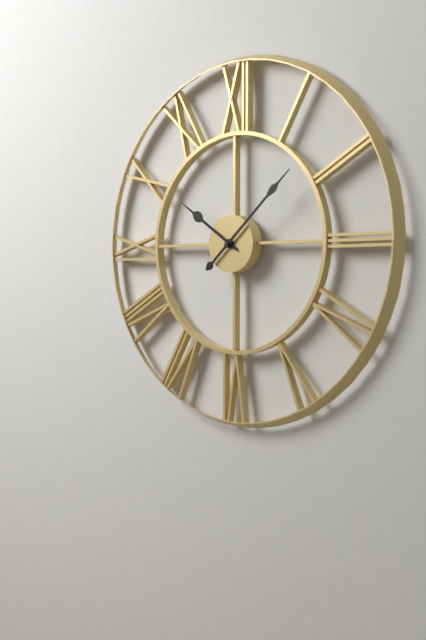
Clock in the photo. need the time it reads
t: 10:08
